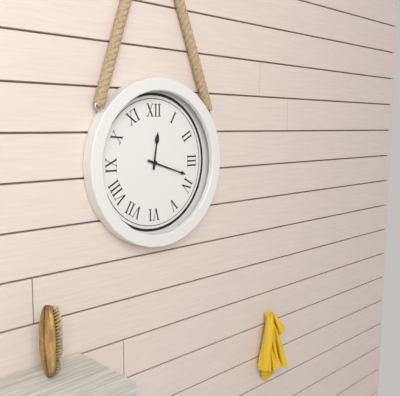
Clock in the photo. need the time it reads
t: 12:18
